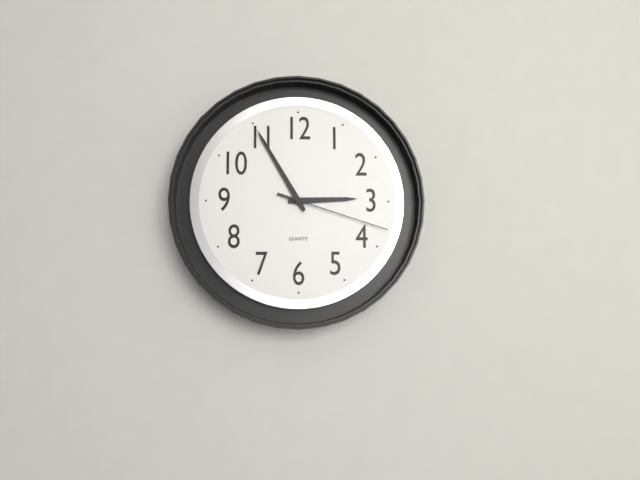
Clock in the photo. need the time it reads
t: 2:55:18
